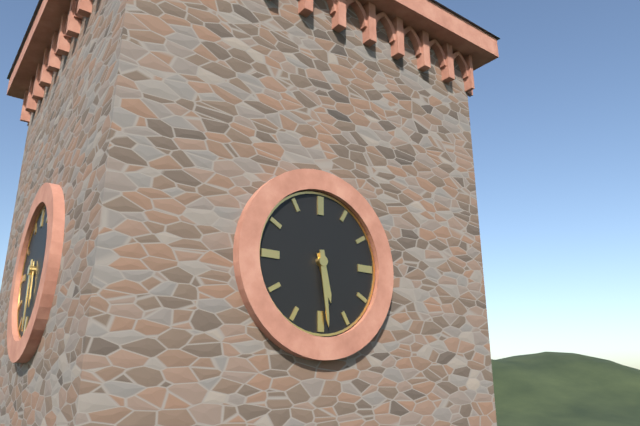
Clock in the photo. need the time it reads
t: 5:29
